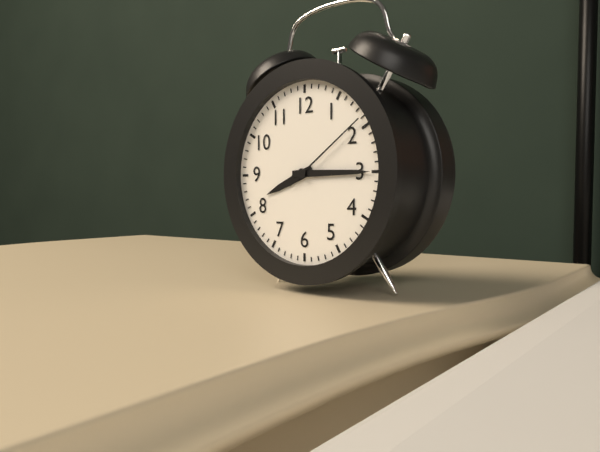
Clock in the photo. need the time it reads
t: 8:15:09
